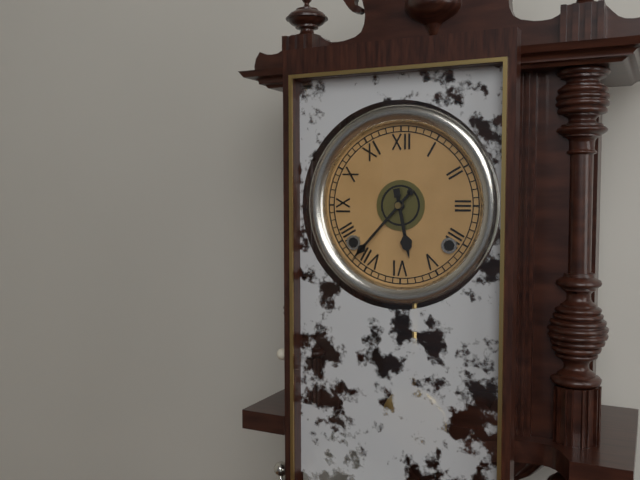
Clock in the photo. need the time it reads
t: 5:37
